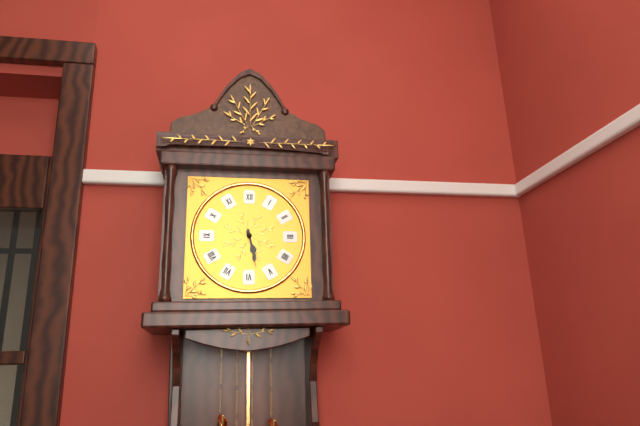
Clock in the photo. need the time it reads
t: 5:28
